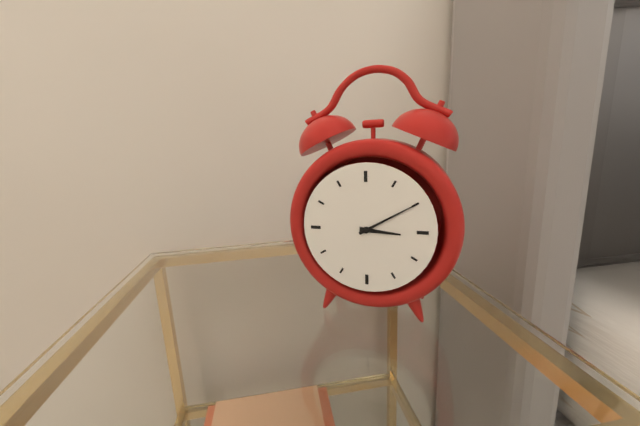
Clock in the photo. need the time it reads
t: 3:10
